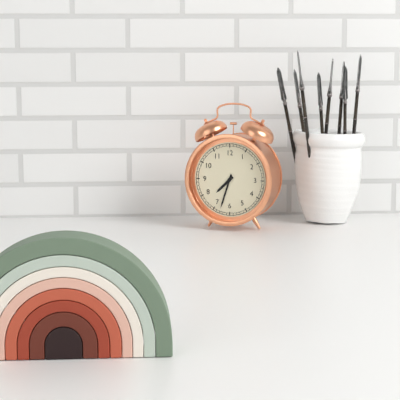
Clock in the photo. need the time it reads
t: 7:33
